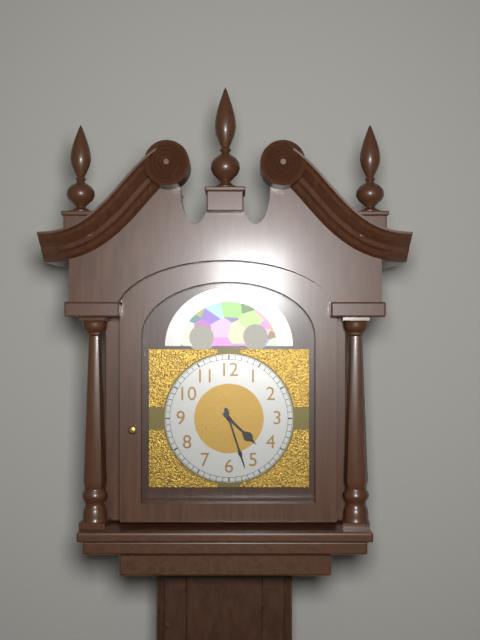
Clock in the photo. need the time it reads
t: 4:27
